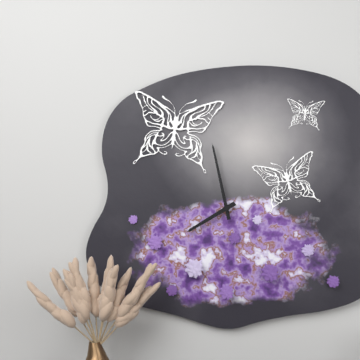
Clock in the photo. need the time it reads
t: 7:58
